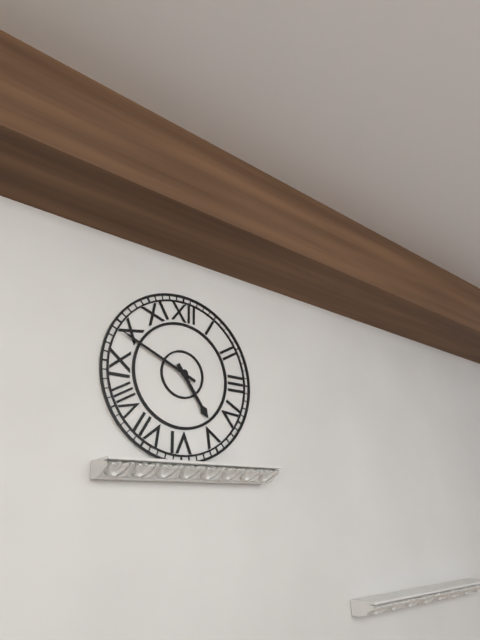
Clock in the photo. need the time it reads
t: 4:49
